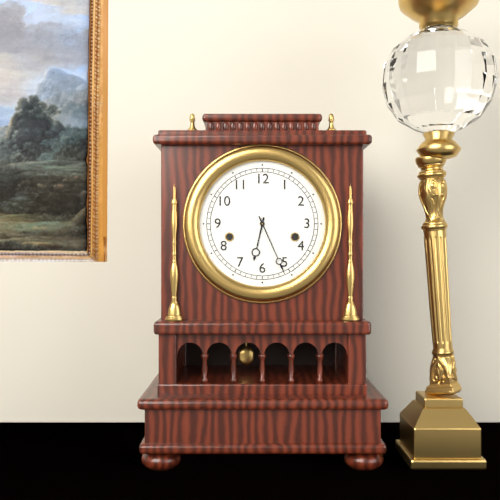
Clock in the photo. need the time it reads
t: 6:26
